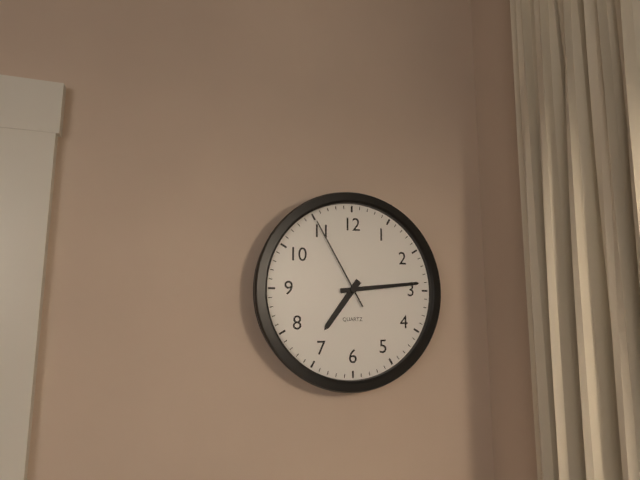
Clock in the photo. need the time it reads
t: 7:14:55
